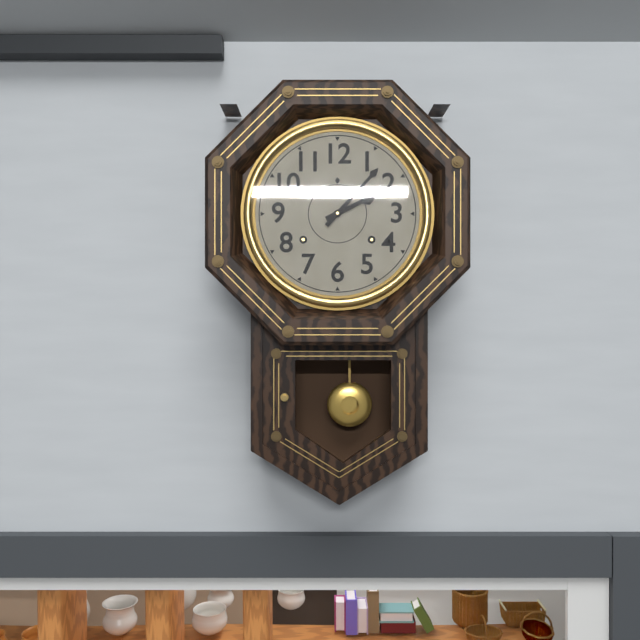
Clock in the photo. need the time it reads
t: 2:07
